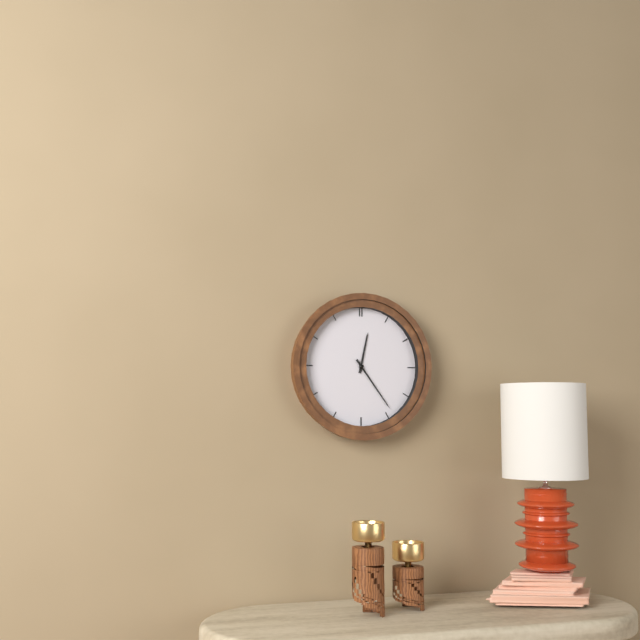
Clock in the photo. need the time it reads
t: 12:24
